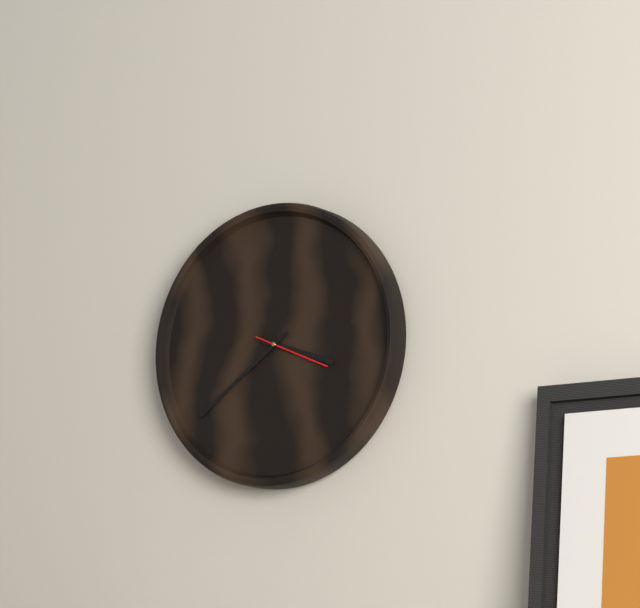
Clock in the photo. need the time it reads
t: 3:39:19
